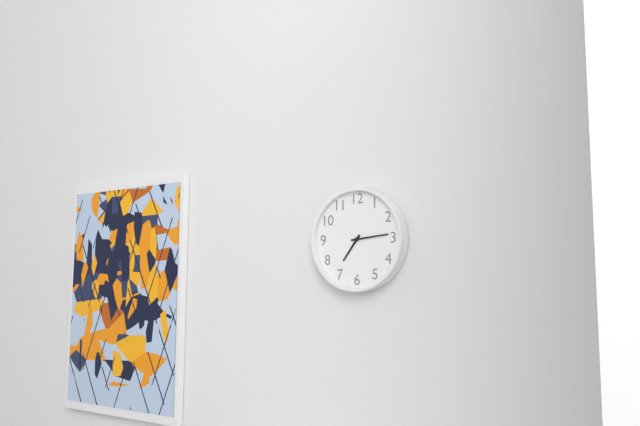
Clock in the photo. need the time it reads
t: 7:14
